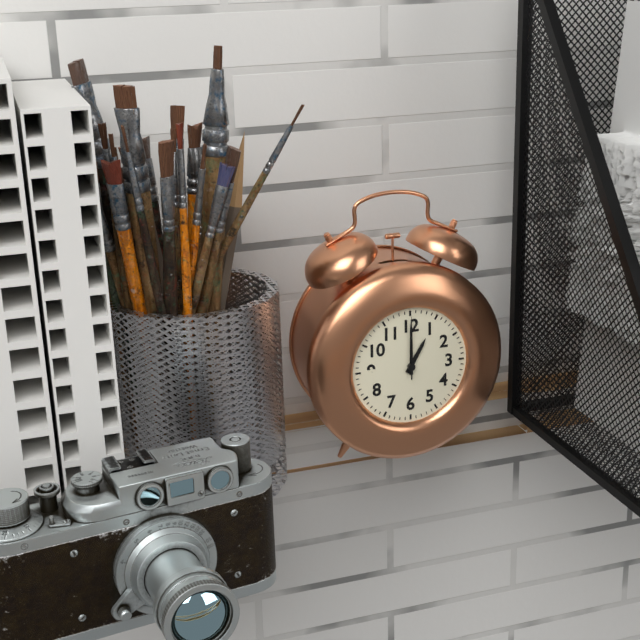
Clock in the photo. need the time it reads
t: 1:00:00
